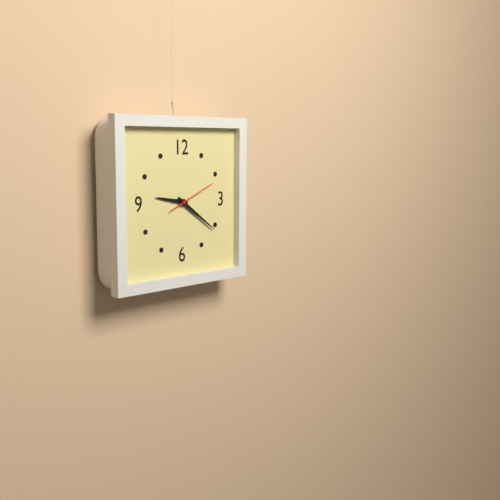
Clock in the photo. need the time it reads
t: 9:21
